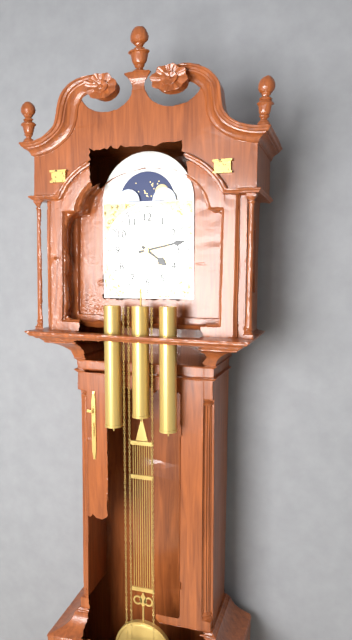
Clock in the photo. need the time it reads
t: 4:13
